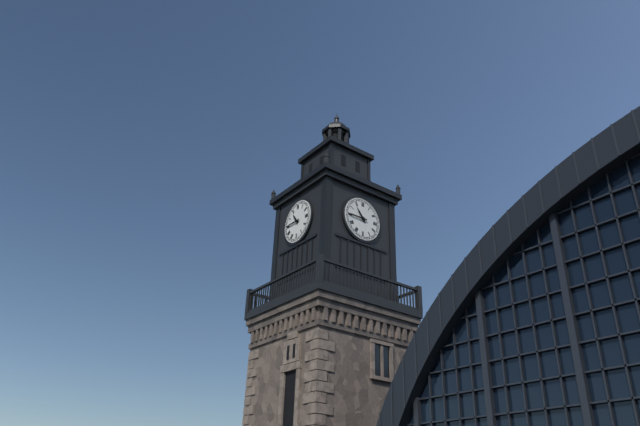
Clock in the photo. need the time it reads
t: 10:45
